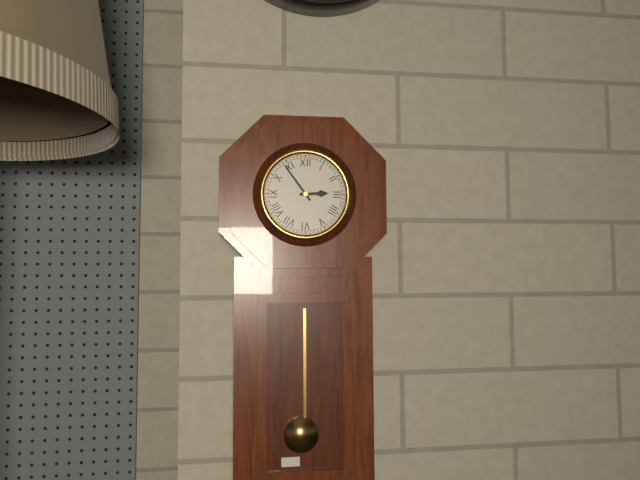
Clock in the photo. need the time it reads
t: 2:54
